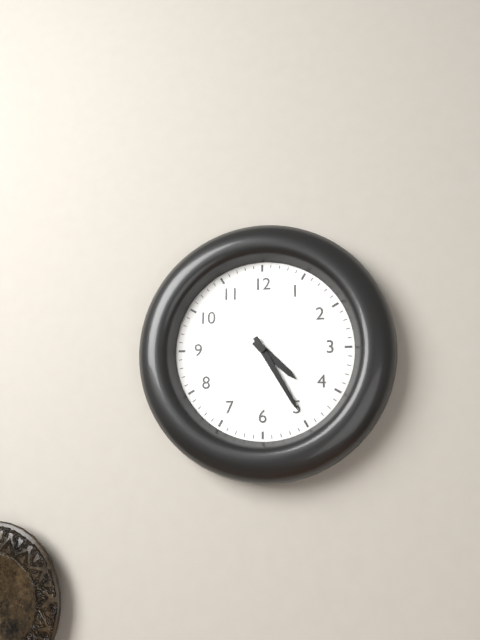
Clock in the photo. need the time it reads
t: 4:25
